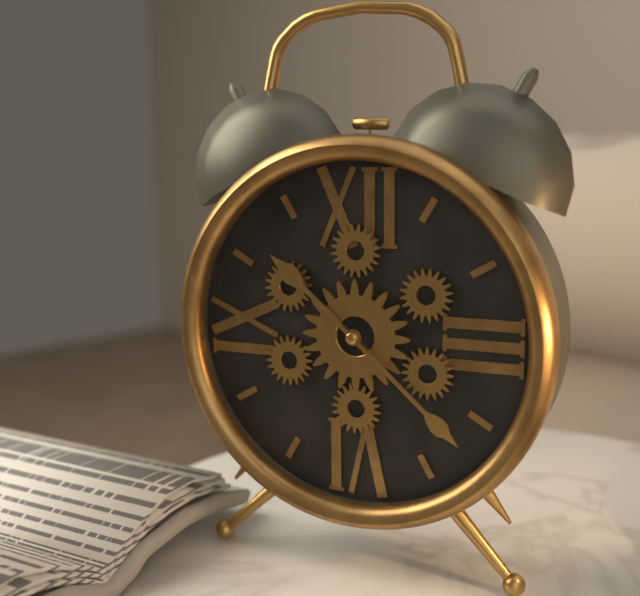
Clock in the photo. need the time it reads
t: 10:22
